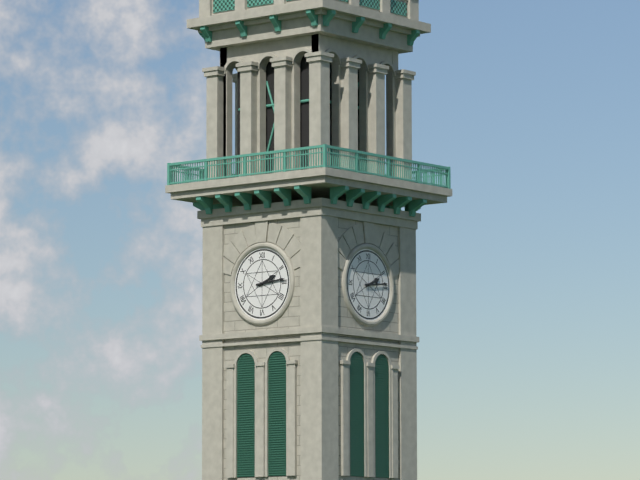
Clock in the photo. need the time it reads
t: 2:14
